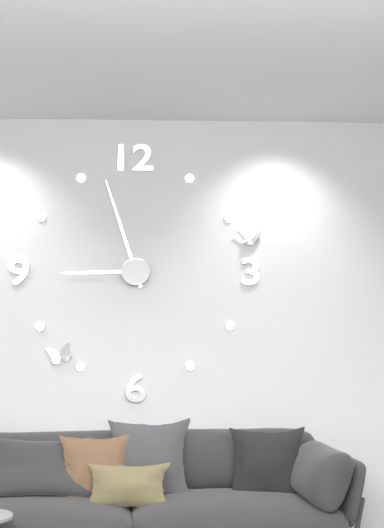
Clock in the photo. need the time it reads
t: 8:57
